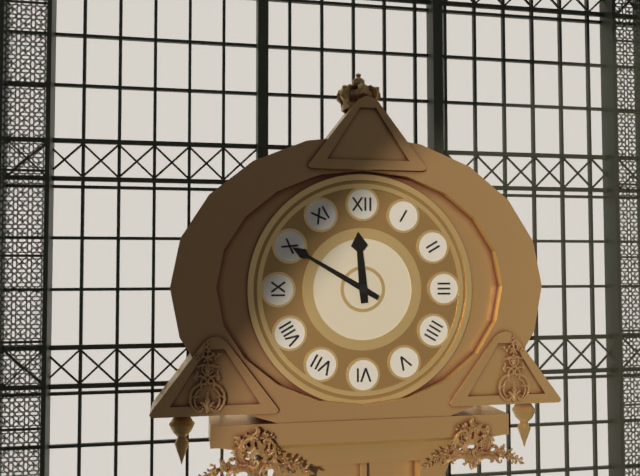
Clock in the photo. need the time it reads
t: 11:50
